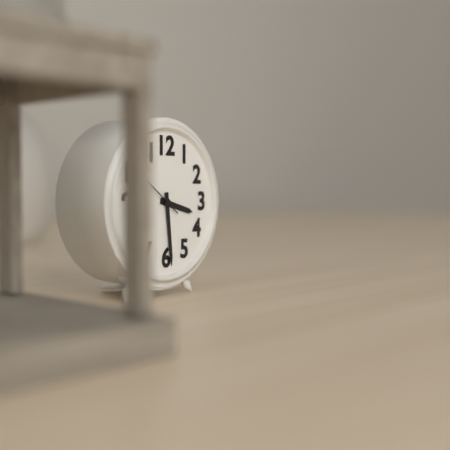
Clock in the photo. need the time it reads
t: 3:29
